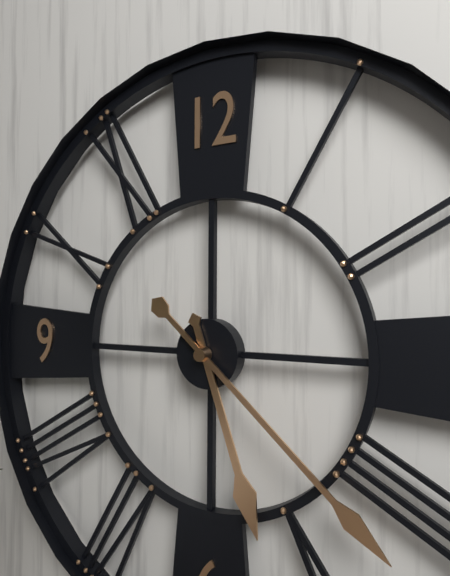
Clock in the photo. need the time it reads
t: 5:22
